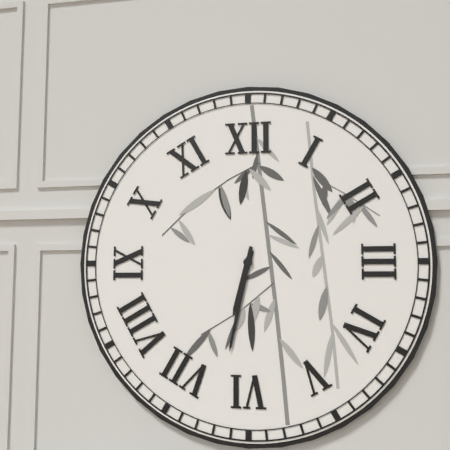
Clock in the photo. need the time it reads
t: 6:32
